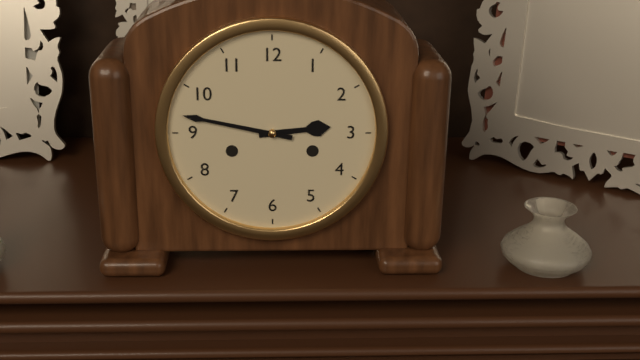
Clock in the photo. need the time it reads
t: 2:47
